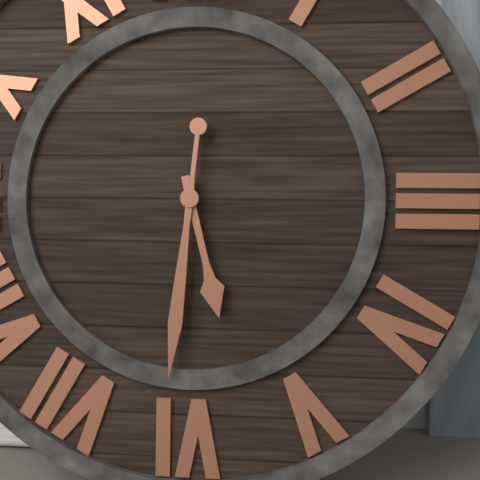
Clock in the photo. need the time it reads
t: 5:31
